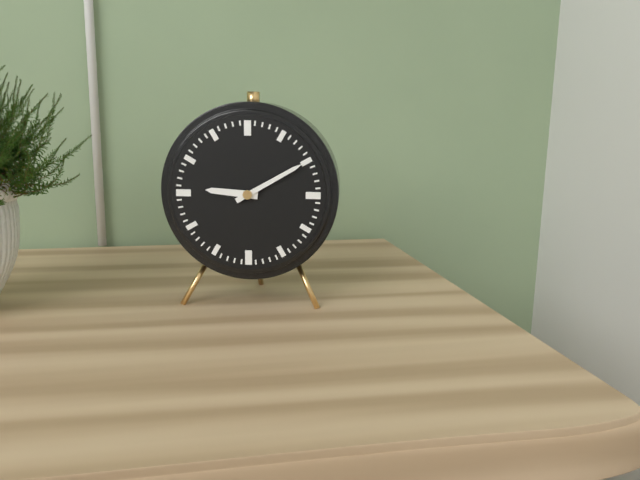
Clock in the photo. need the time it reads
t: 9:10
